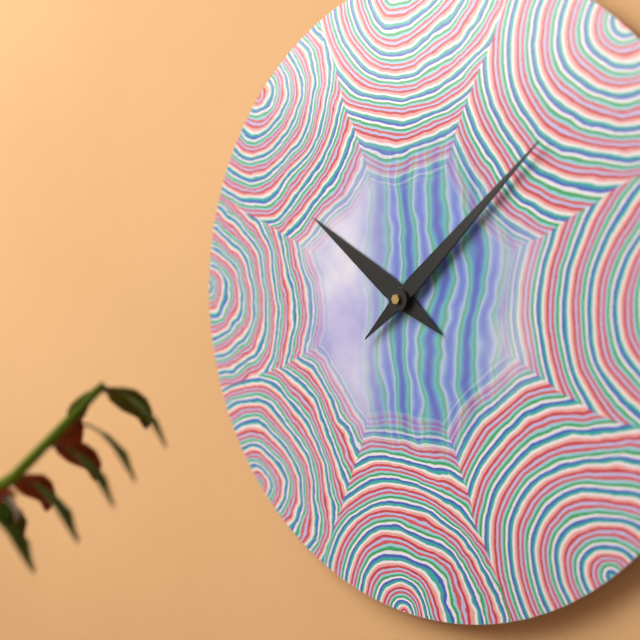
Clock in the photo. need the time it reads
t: 10:08
